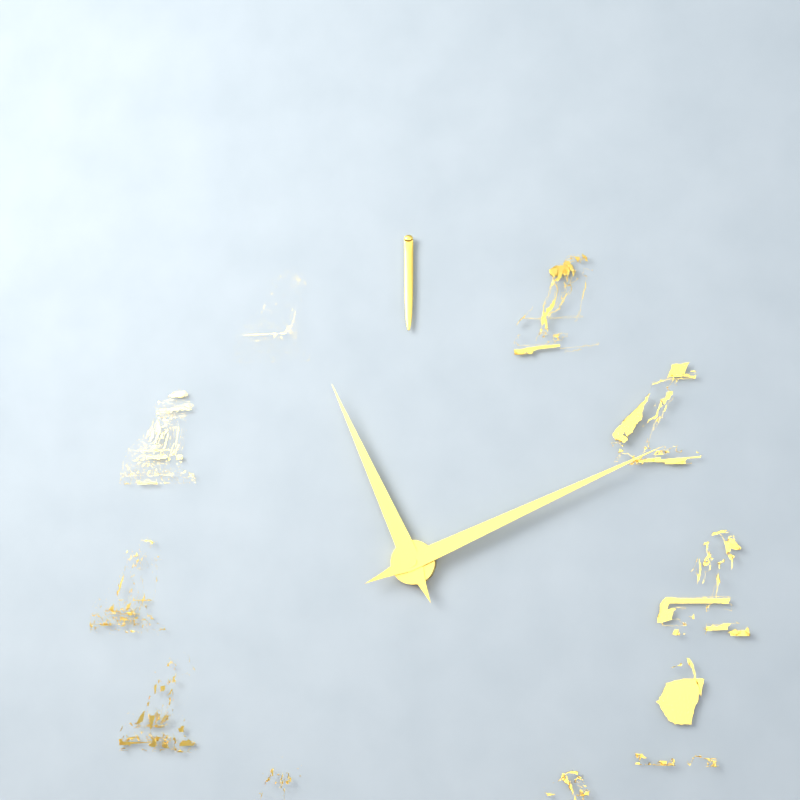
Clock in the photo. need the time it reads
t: 11:11
